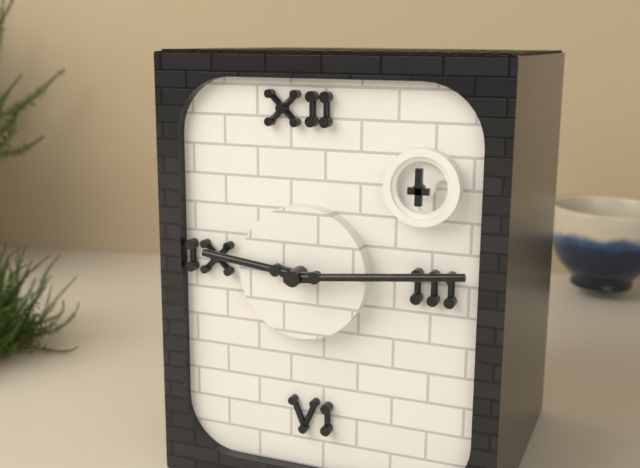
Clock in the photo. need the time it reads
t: 9:14
